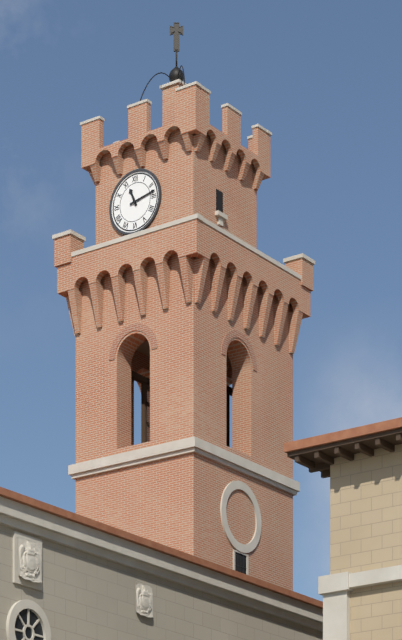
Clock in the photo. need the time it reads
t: 11:13
